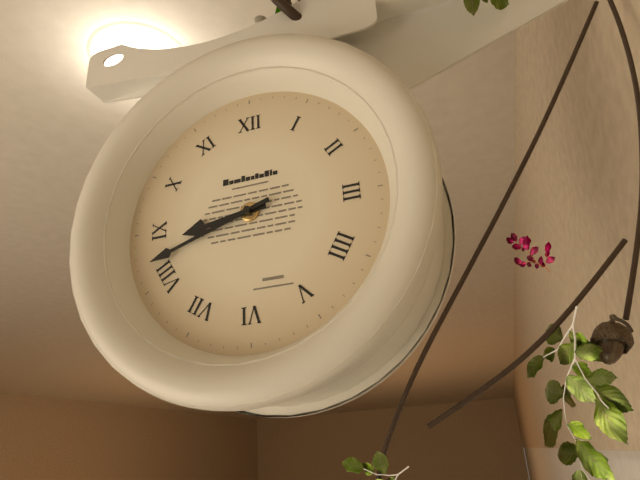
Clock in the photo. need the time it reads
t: 8:42
